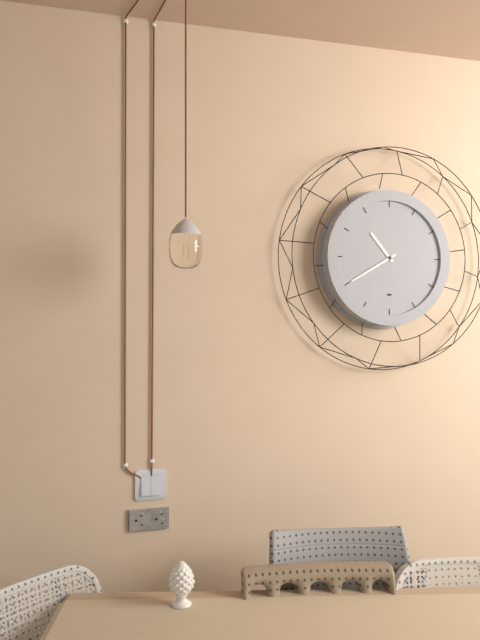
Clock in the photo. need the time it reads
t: 10:40
